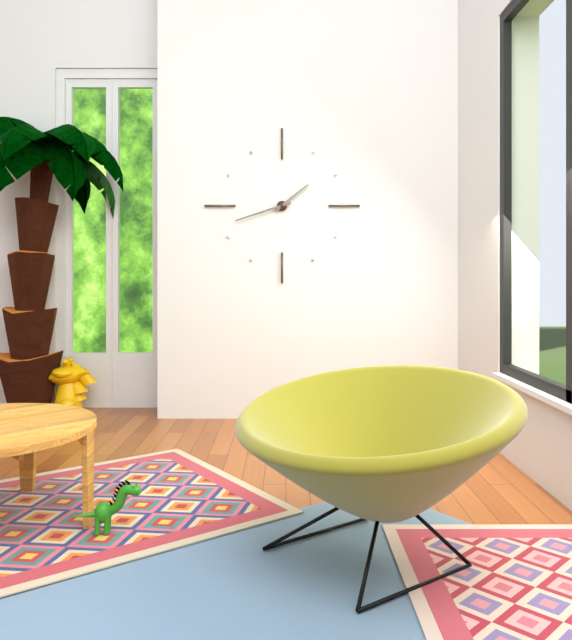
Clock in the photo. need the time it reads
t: 1:42
